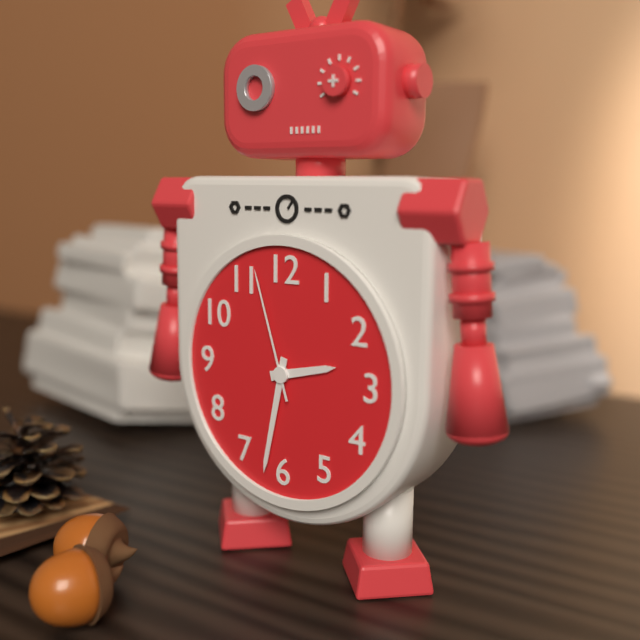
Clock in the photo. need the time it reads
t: 2:32:57
